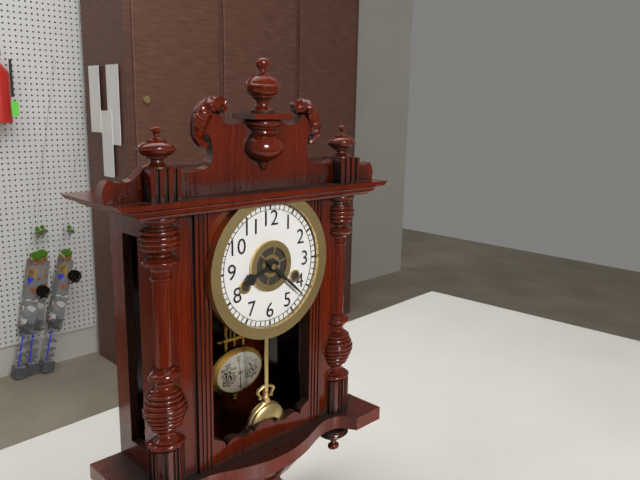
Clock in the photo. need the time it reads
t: 8:22
